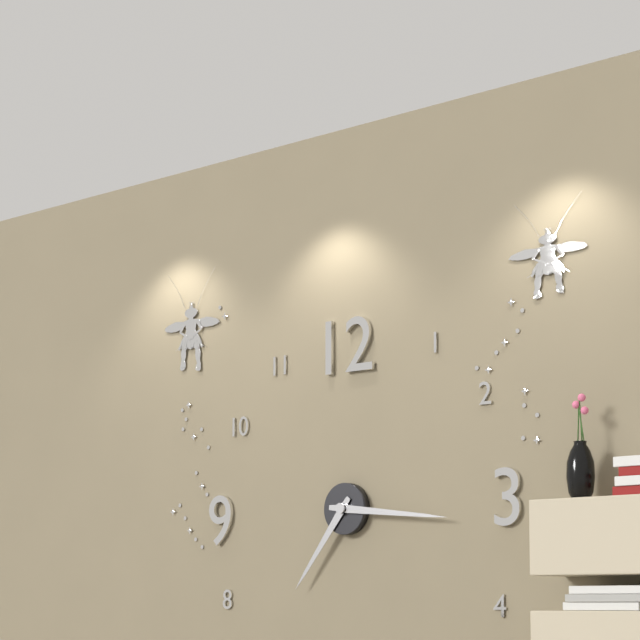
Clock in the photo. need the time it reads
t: 7:16
